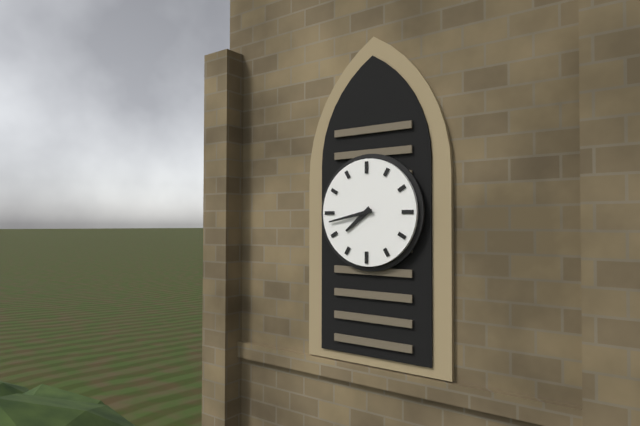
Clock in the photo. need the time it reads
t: 7:43
